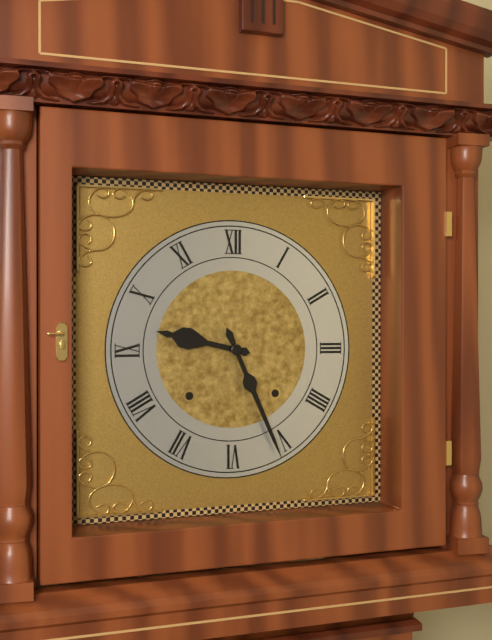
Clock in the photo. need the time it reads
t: 9:26
